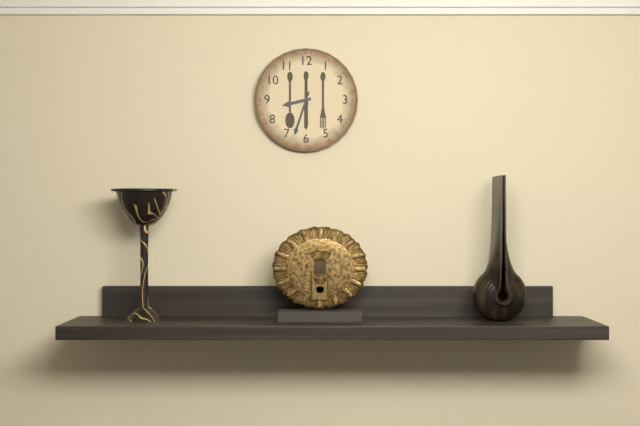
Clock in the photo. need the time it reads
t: 8:33
